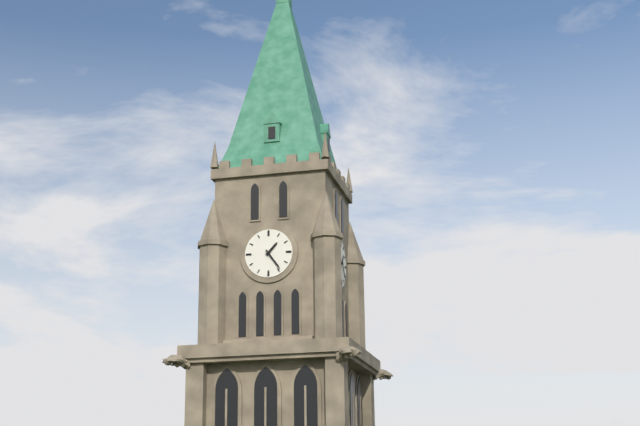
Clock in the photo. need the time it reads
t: 1:24
